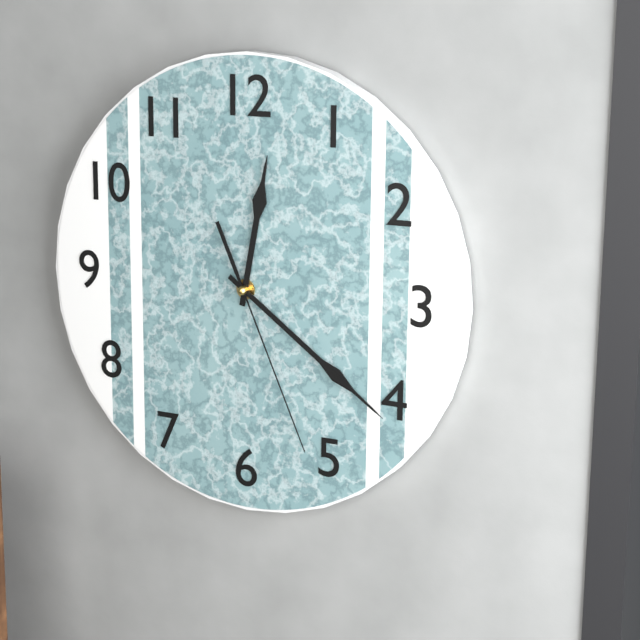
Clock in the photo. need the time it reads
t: 12:21:26
